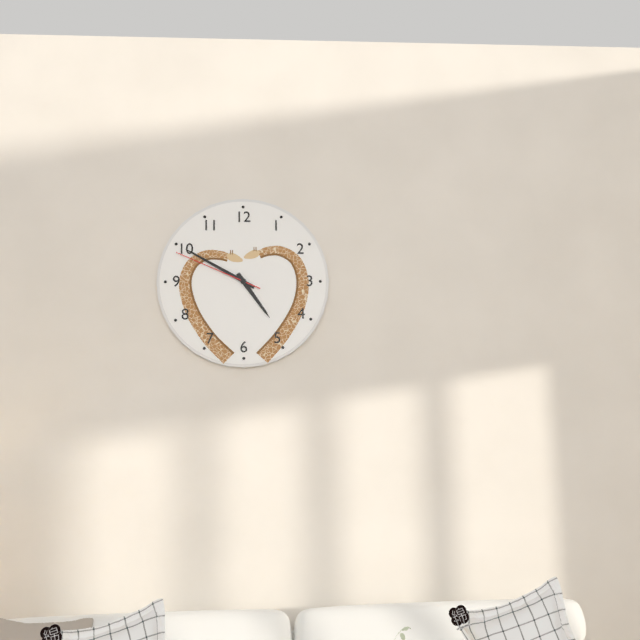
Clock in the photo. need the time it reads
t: 4:50:49
